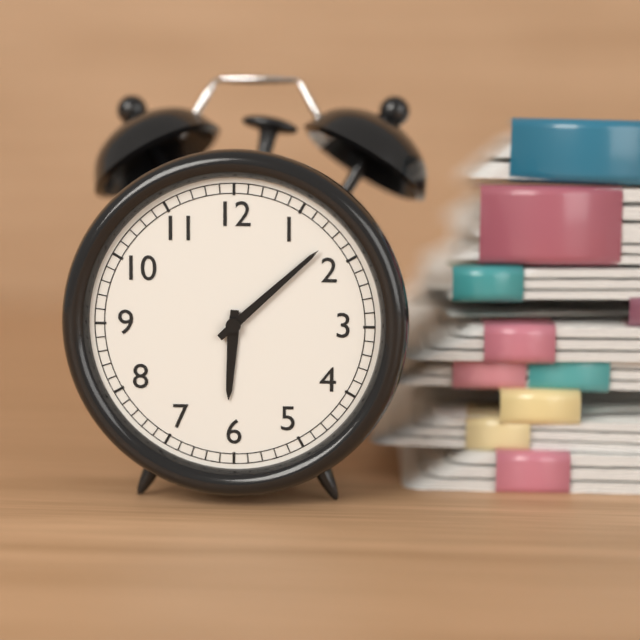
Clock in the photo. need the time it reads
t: 6:08
